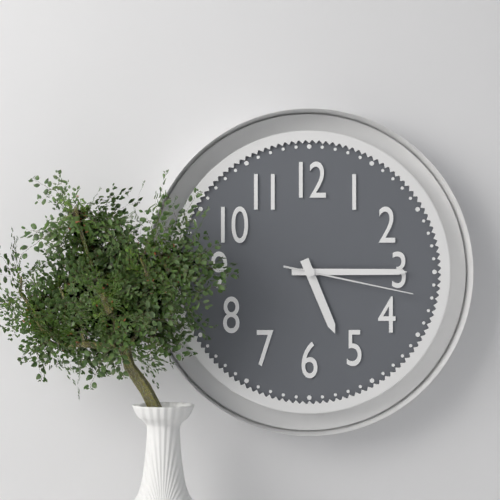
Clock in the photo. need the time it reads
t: 5:15:17
